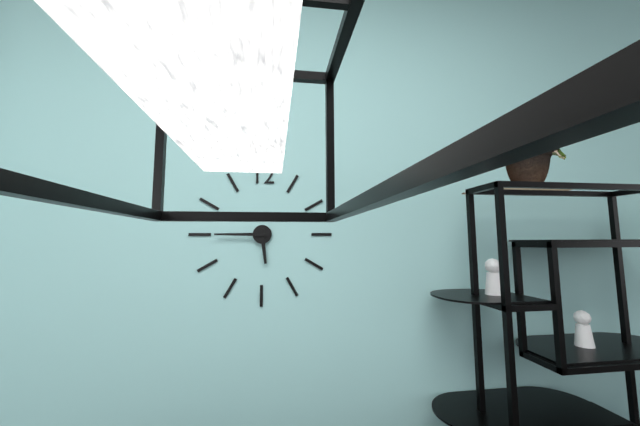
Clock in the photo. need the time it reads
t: 5:45
